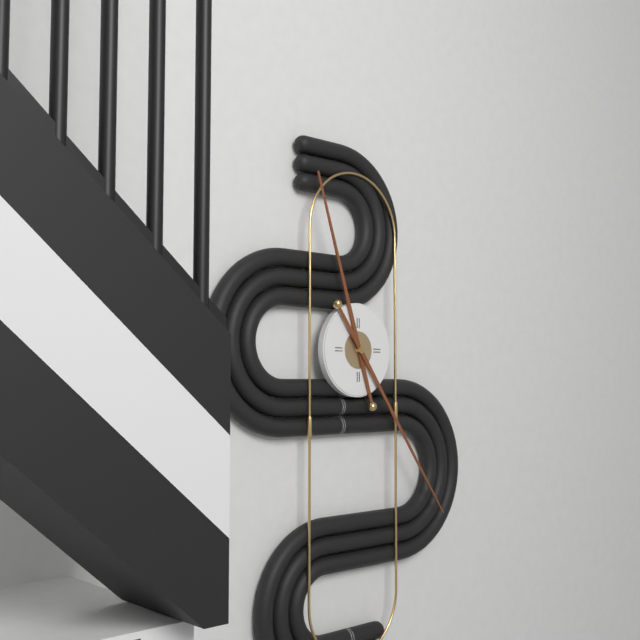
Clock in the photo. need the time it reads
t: 11:24
